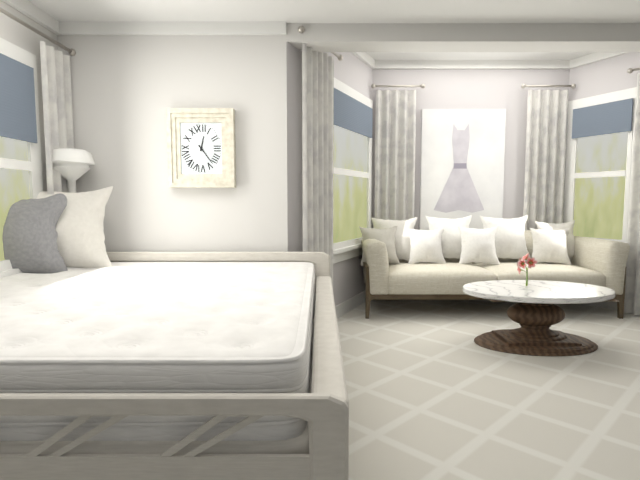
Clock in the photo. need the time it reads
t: 12:24
